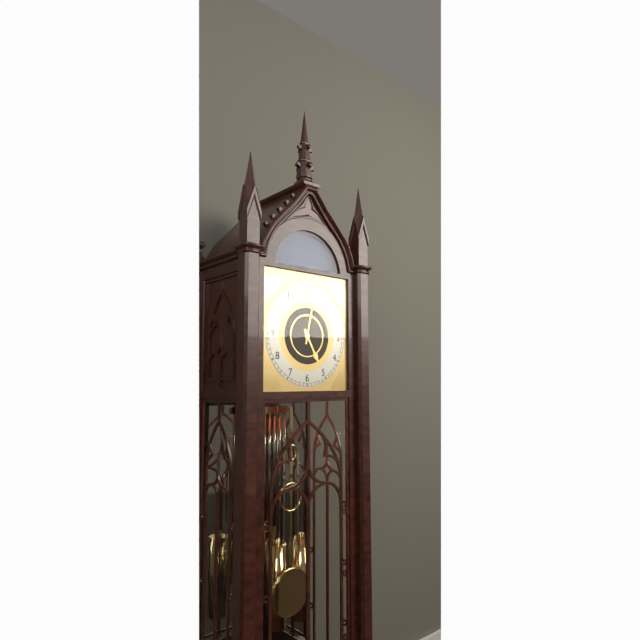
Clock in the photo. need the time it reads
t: 5:02
